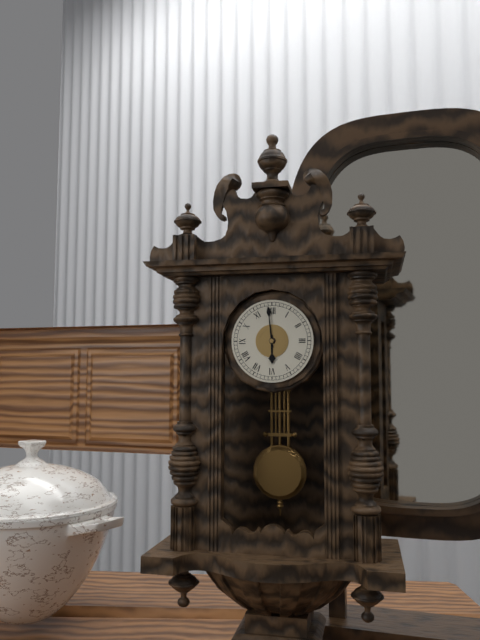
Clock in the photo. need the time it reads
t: 5:59
